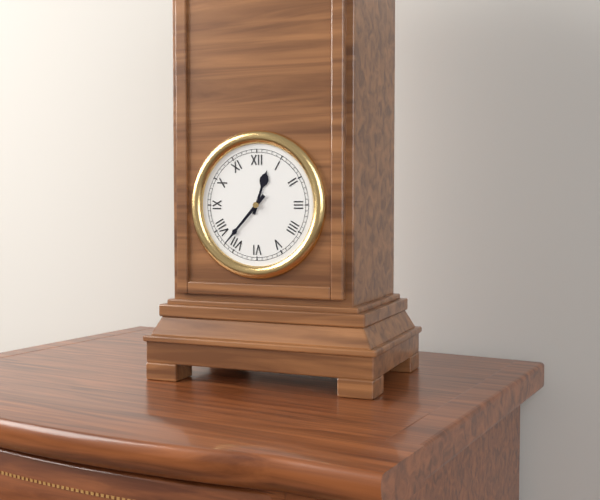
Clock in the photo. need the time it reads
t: 12:37
